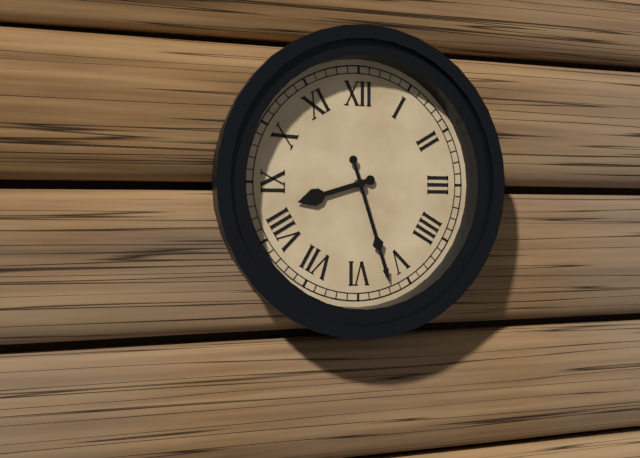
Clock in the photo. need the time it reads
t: 8:27
